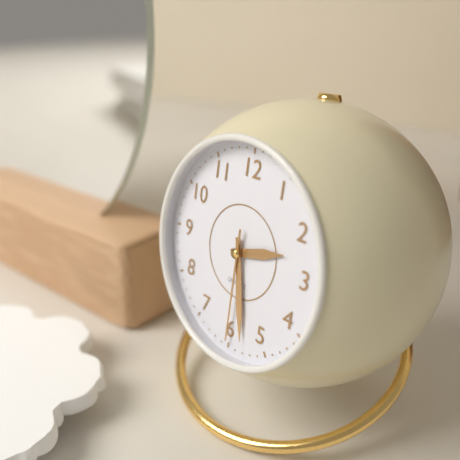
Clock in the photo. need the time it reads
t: 2:28:30
